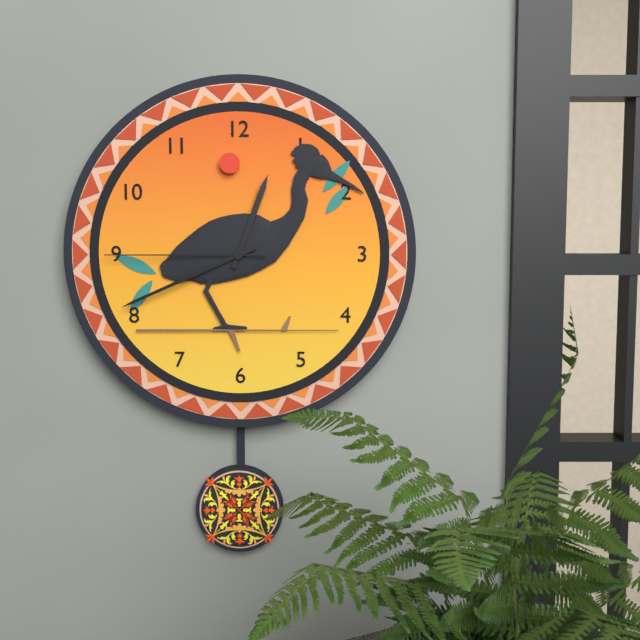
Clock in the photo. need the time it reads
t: 12:41:45
